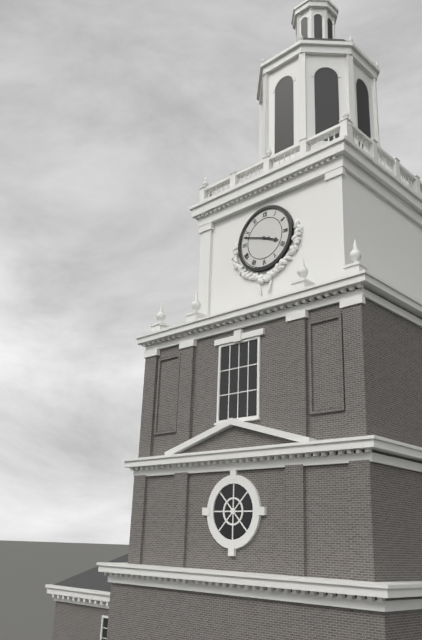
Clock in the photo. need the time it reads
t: 3:48
